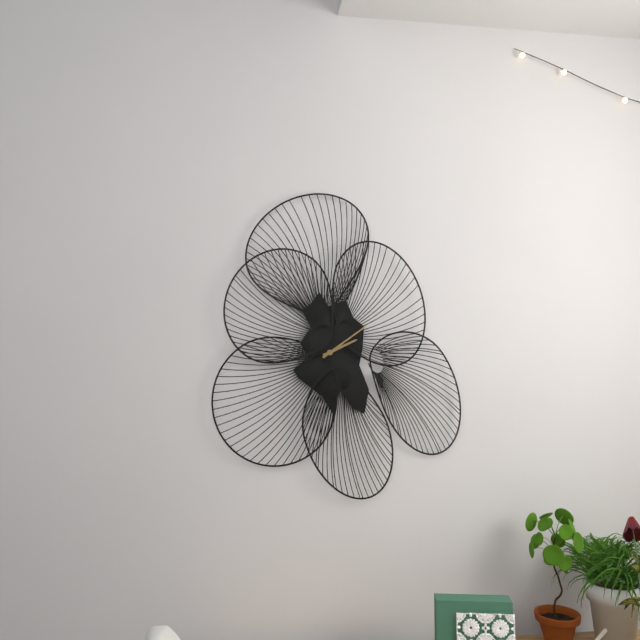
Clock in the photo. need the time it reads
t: 2:09
